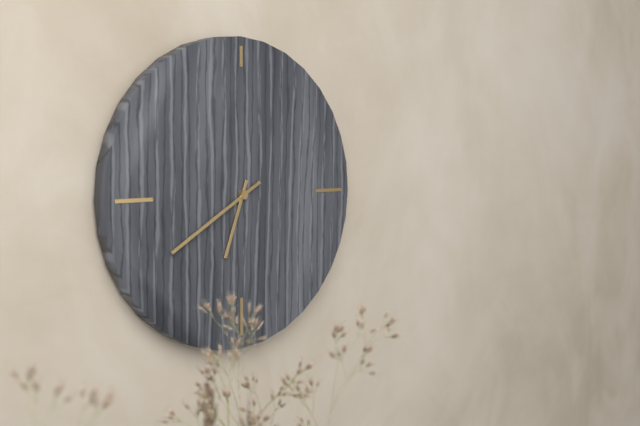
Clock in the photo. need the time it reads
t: 6:40
